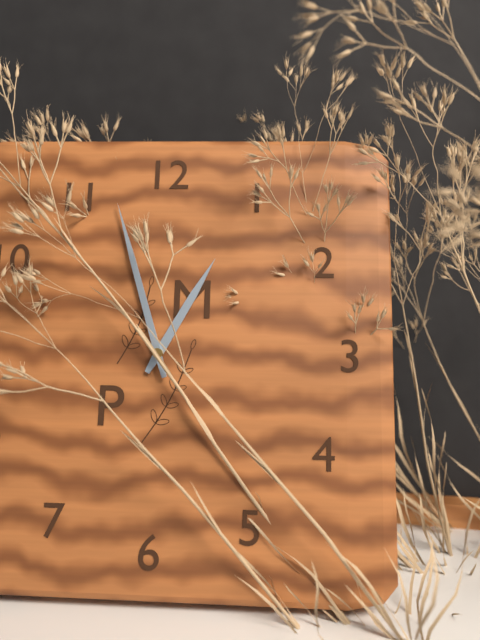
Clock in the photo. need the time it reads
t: 12:57
